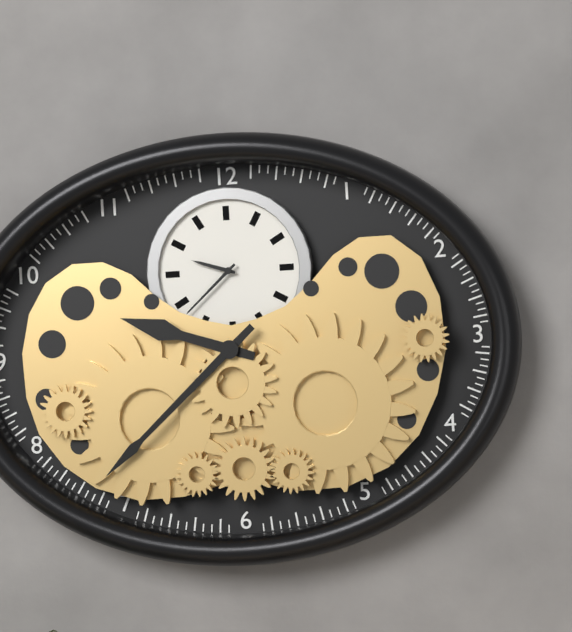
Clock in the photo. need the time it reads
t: 9:38
